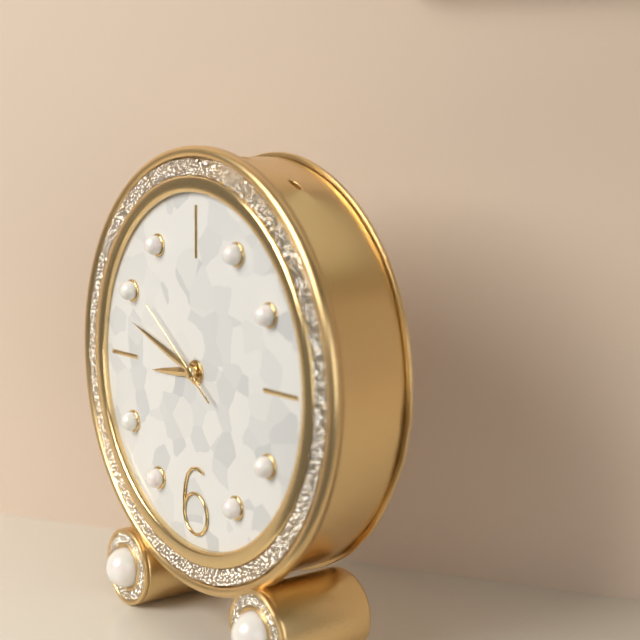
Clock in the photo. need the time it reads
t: 8:48:51
